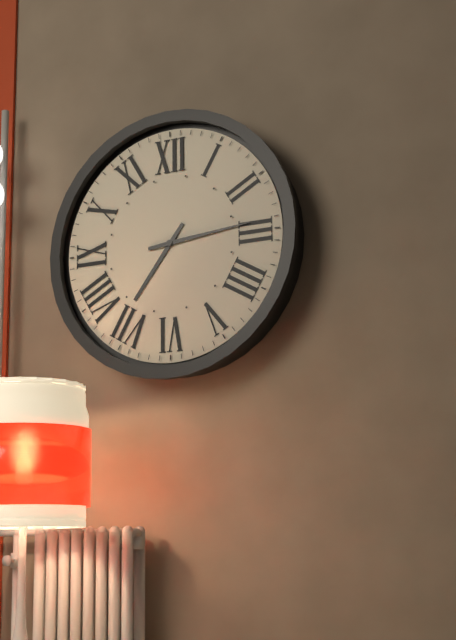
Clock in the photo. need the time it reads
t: 7:14
